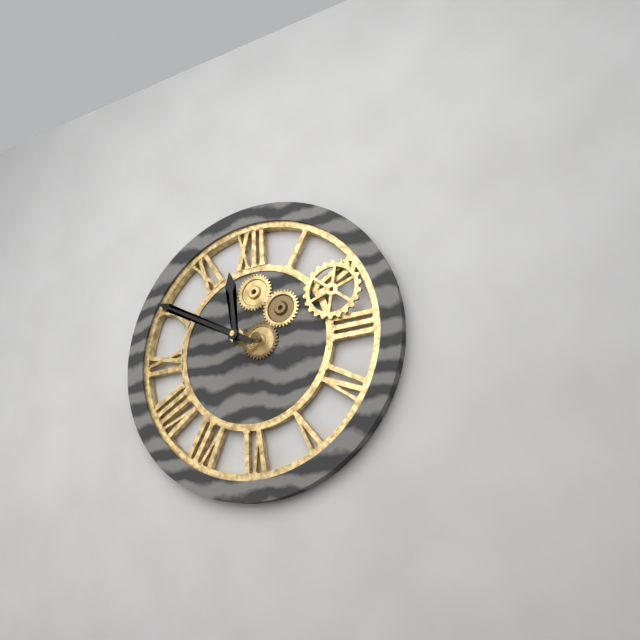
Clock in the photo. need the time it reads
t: 11:50
